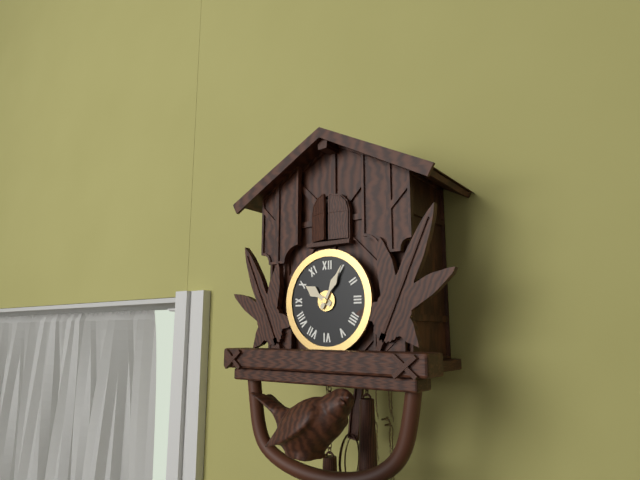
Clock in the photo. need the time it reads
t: 10:05
